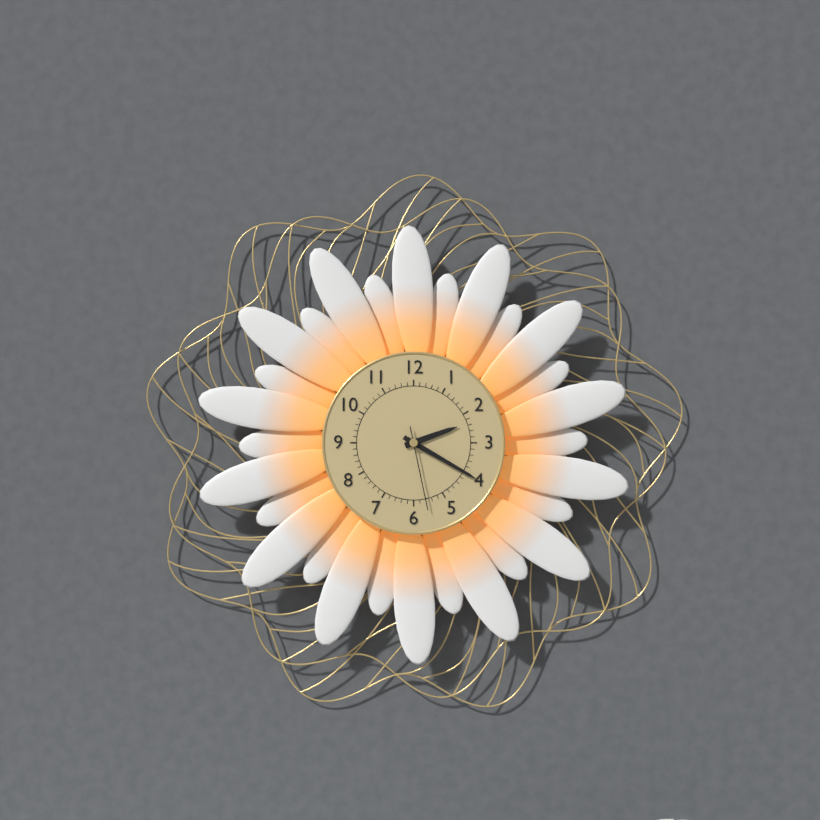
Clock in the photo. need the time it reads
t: 2:20:28
